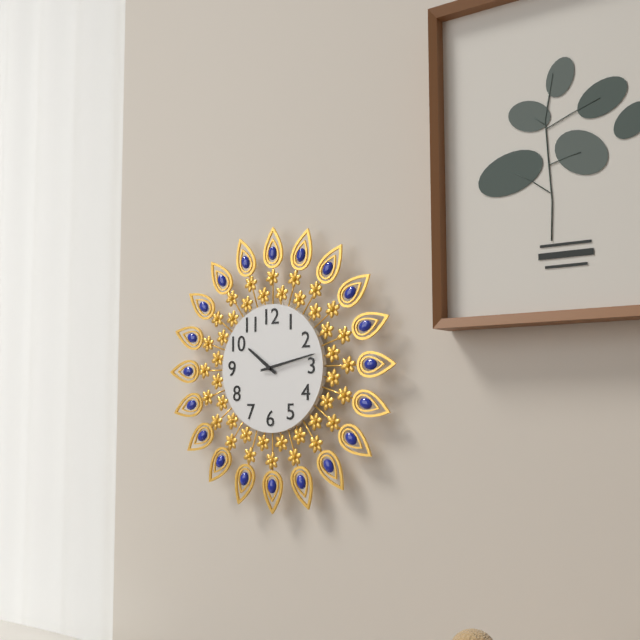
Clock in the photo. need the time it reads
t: 10:13
